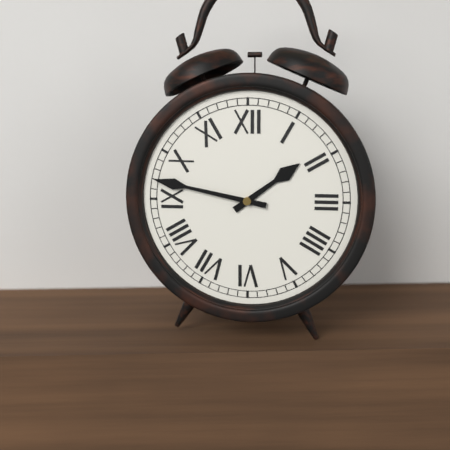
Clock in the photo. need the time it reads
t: 1:47
